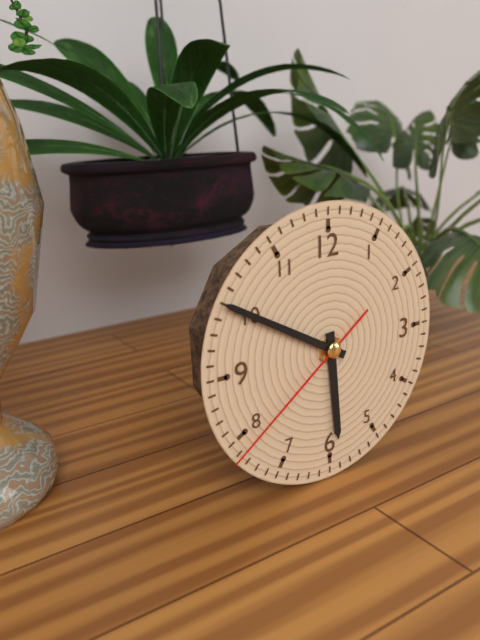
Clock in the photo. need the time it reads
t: 5:50:39
